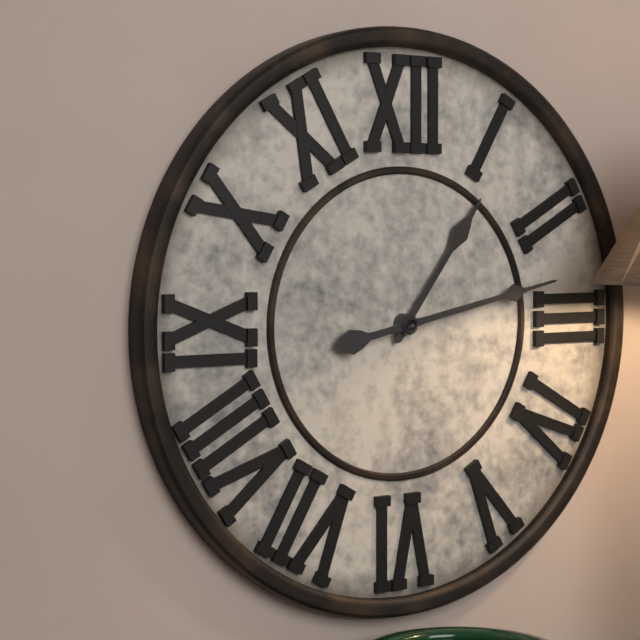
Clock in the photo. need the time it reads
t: 1:13
